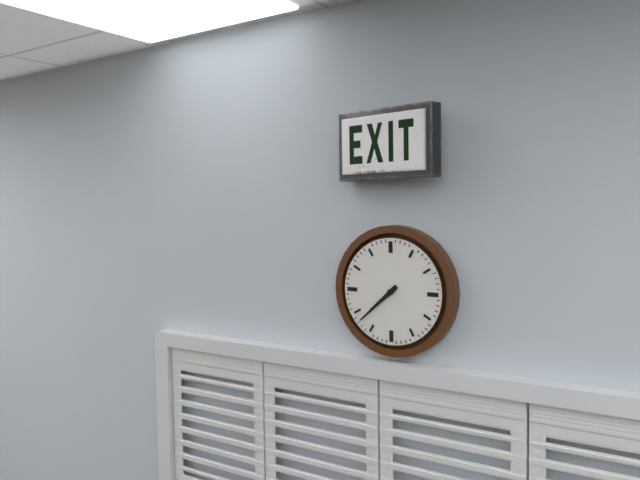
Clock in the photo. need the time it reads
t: 7:38
